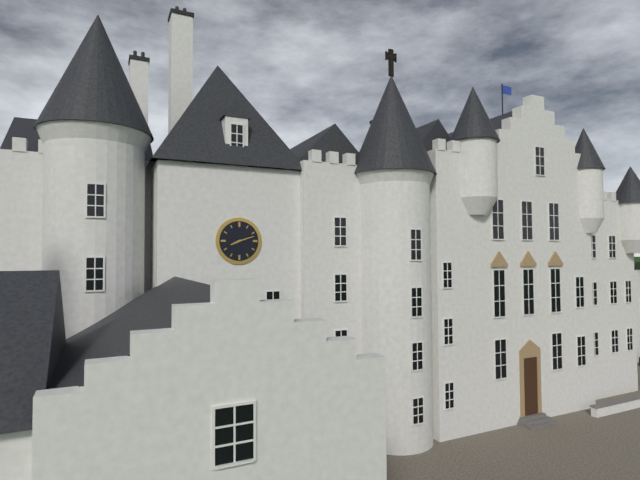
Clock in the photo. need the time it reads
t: 8:12
